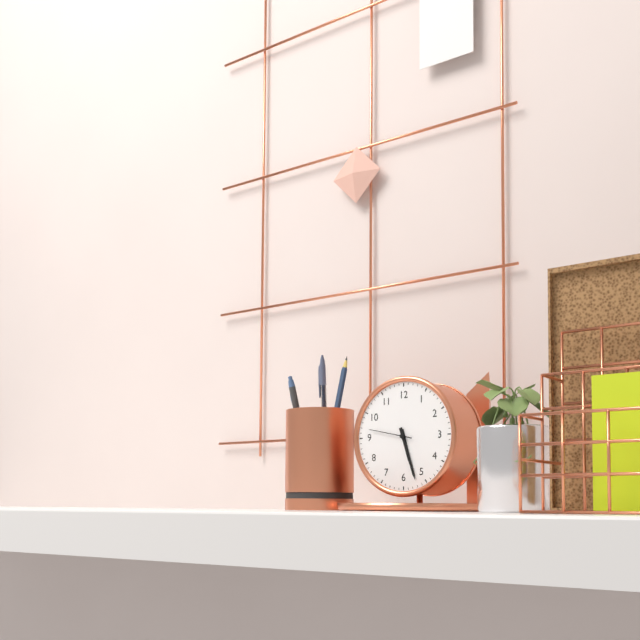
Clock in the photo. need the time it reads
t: 5:27
